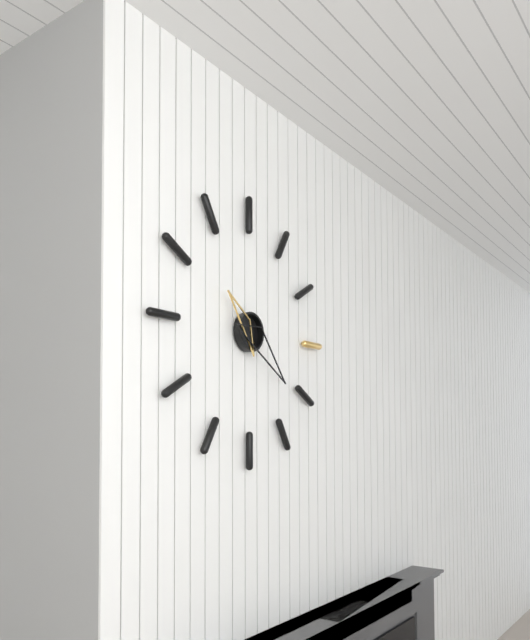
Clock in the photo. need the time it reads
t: 10:22
